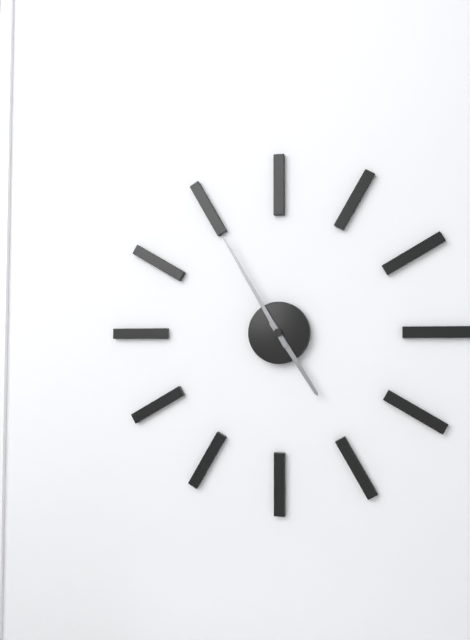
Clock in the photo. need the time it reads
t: 4:55
